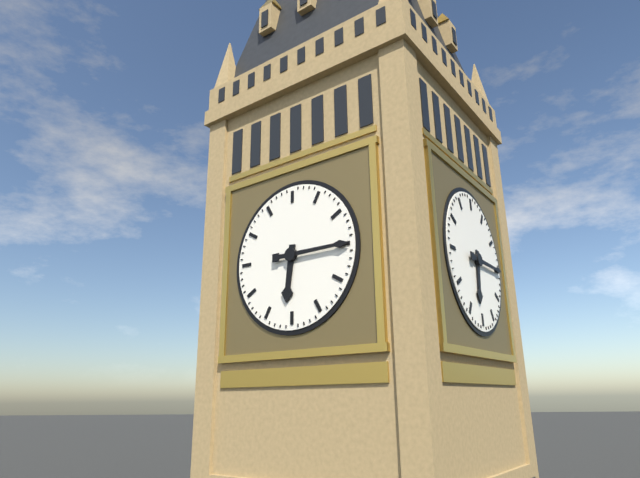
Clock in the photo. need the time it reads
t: 6:15
